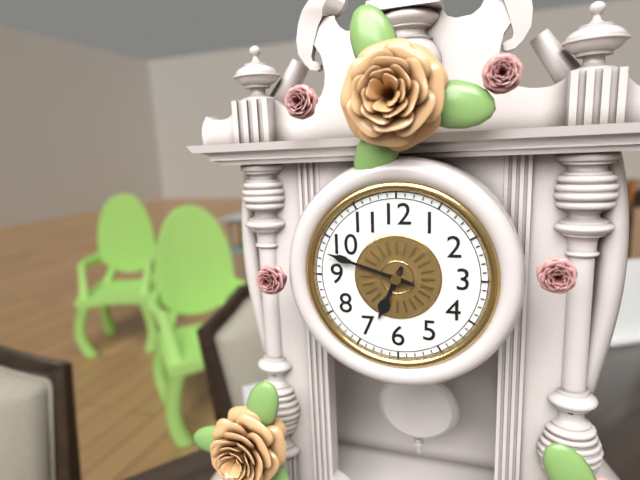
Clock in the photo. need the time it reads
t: 6:48
